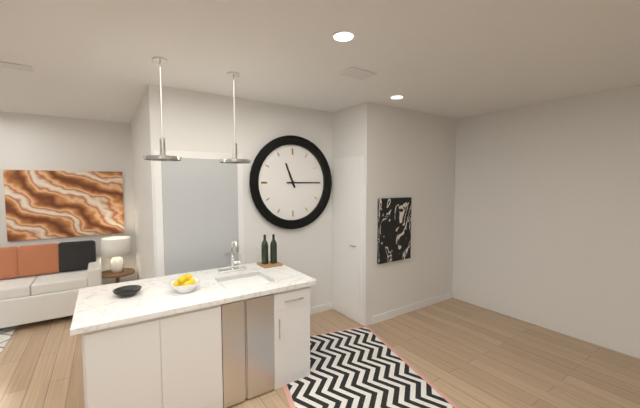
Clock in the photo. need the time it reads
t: 11:15
